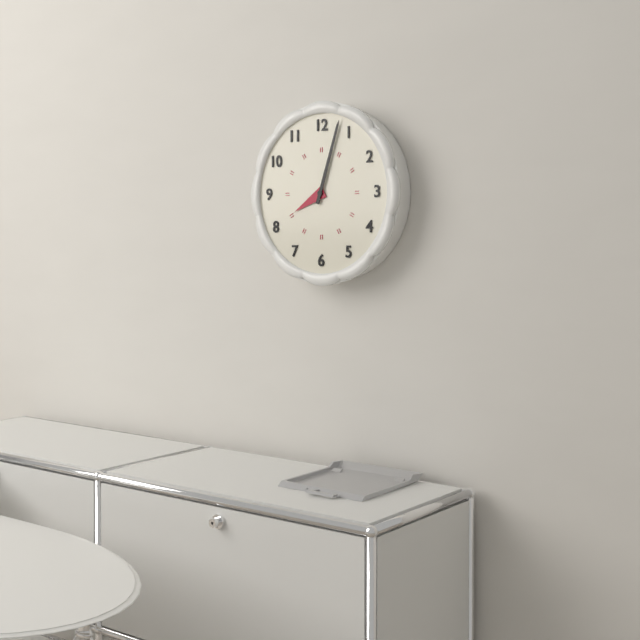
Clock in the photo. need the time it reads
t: 8:03
